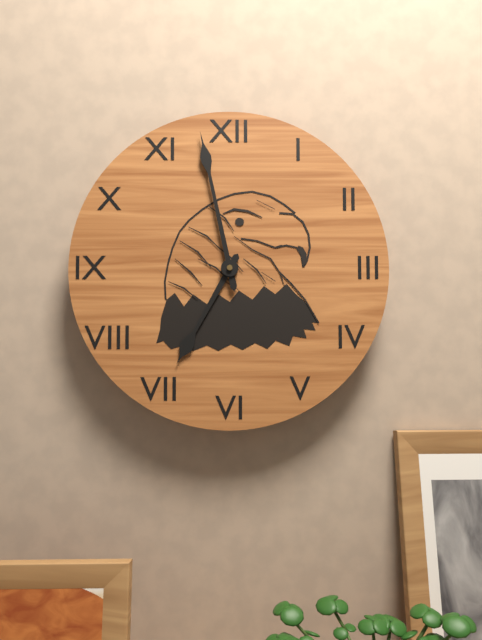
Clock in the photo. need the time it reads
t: 6:58
